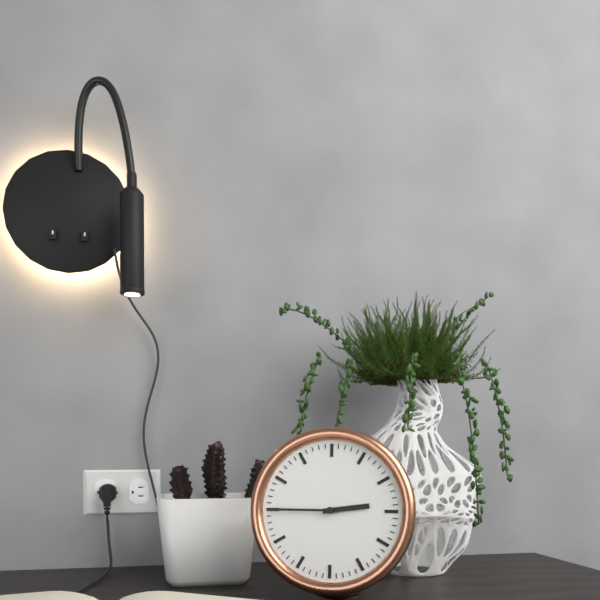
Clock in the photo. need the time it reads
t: 2:45
